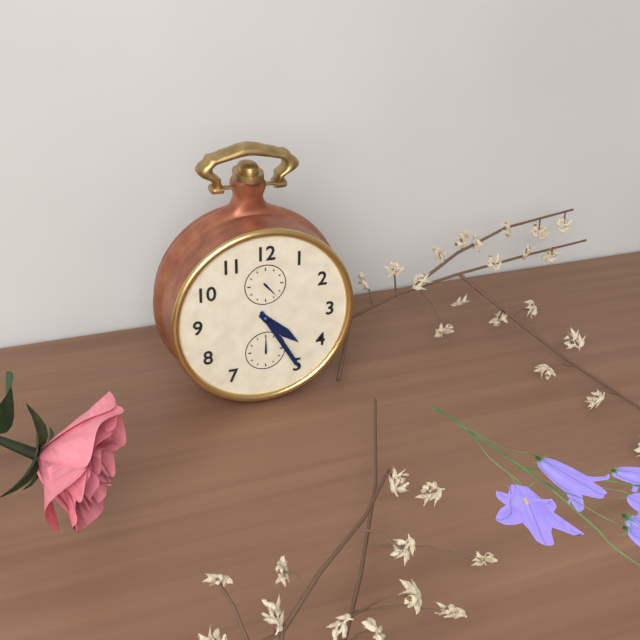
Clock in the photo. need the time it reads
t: 4:25
